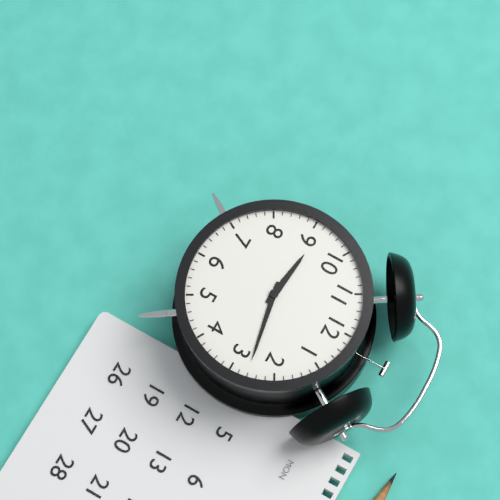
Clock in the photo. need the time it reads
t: 9:13
